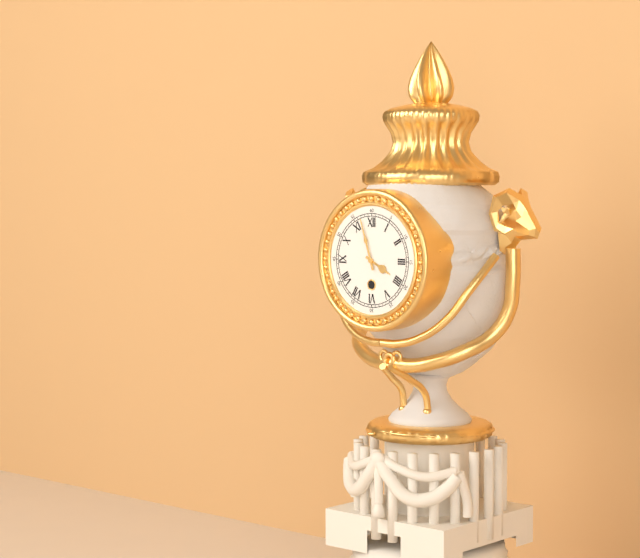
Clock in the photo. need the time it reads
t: 3:57
